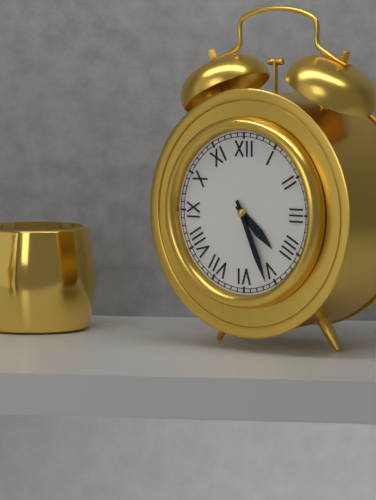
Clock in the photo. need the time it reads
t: 4:26
